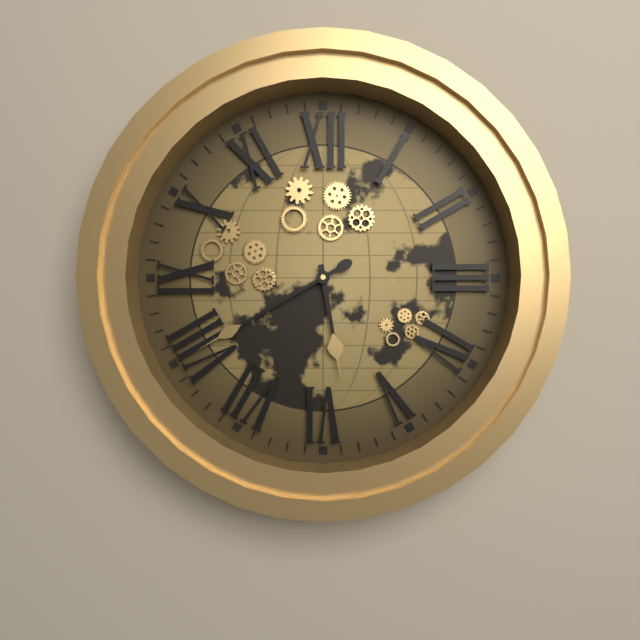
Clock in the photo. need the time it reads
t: 5:40
